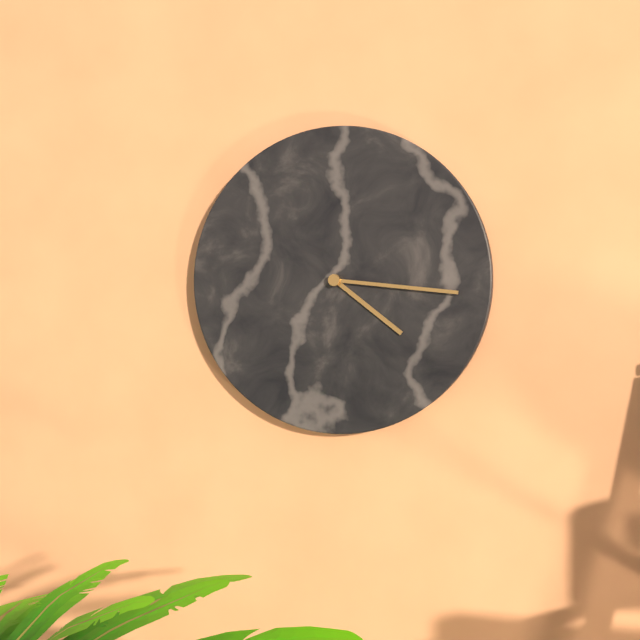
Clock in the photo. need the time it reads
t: 4:16
